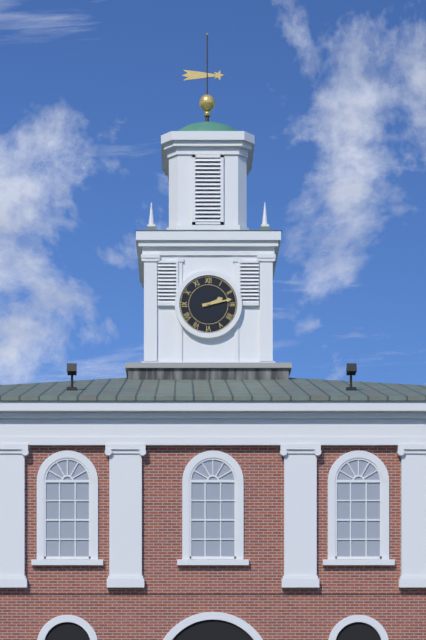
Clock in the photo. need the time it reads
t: 2:13
